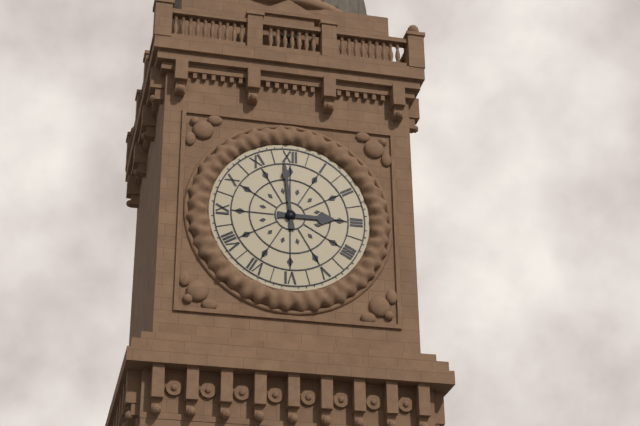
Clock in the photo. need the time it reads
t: 2:59
